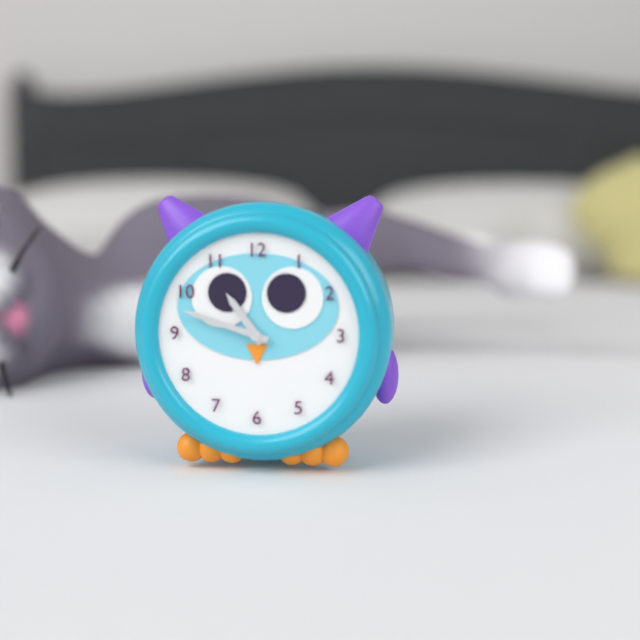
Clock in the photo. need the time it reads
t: 10:48
